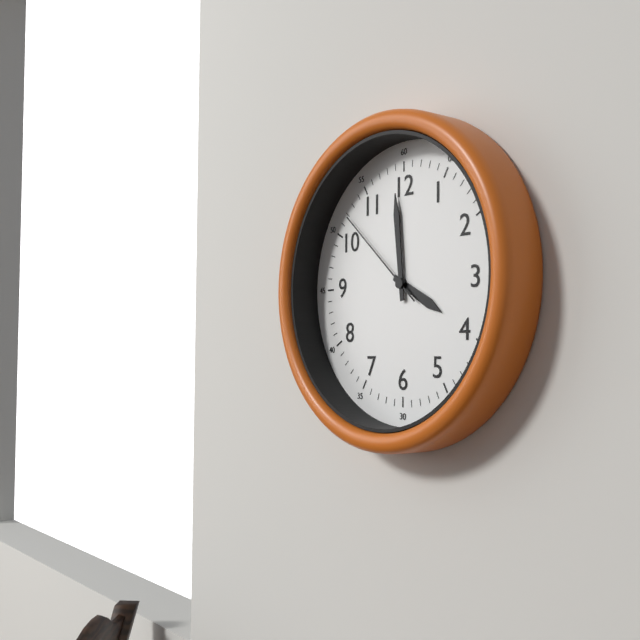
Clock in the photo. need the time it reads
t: 3:59:52
